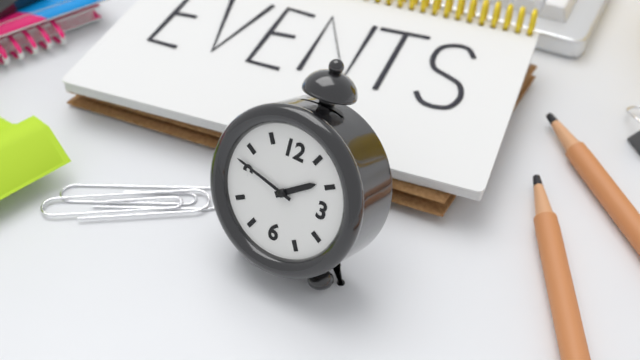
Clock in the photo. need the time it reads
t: 1:47
